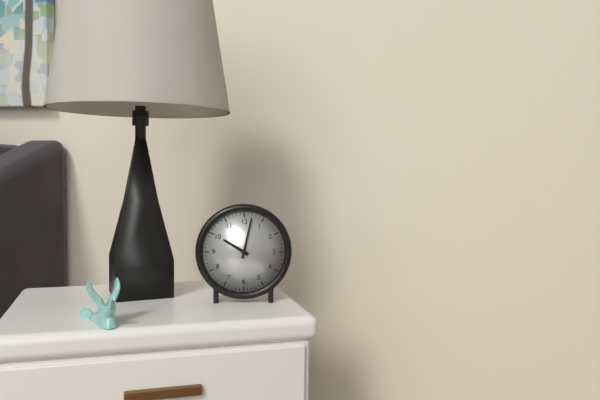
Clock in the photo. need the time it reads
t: 10:02
